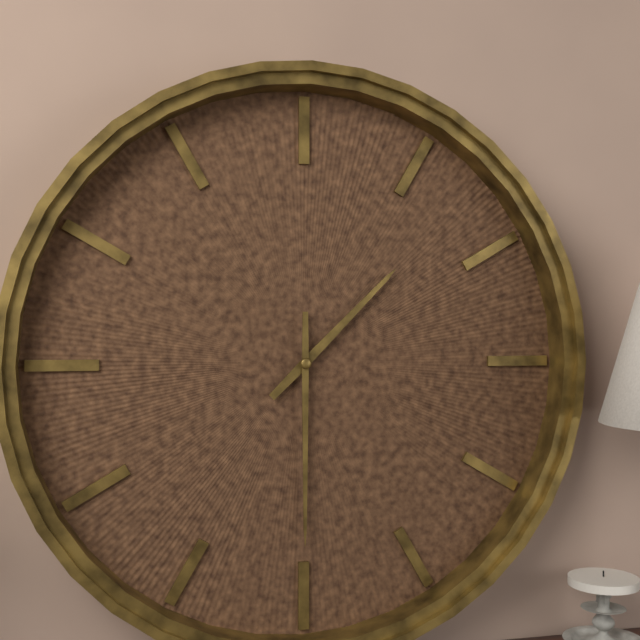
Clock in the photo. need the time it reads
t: 1:30
